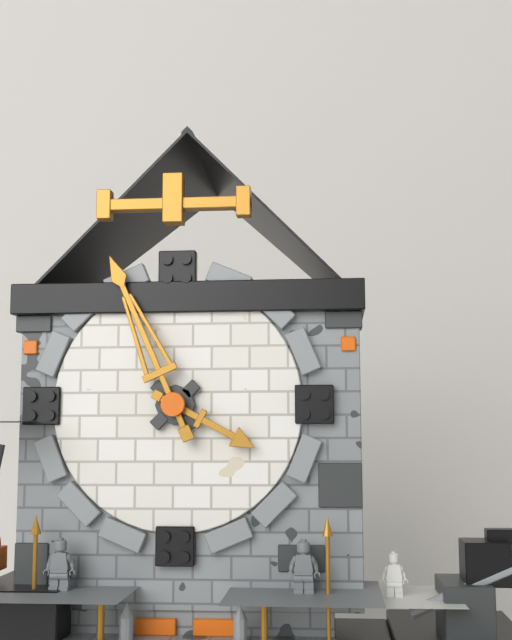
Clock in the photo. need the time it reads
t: 3:56
